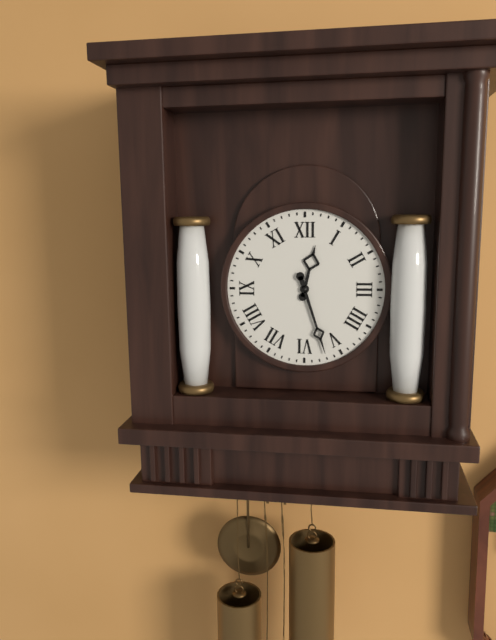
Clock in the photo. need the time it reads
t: 12:27
